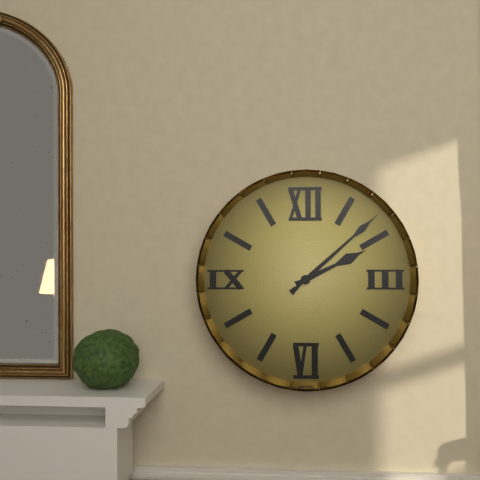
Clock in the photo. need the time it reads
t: 2:08
